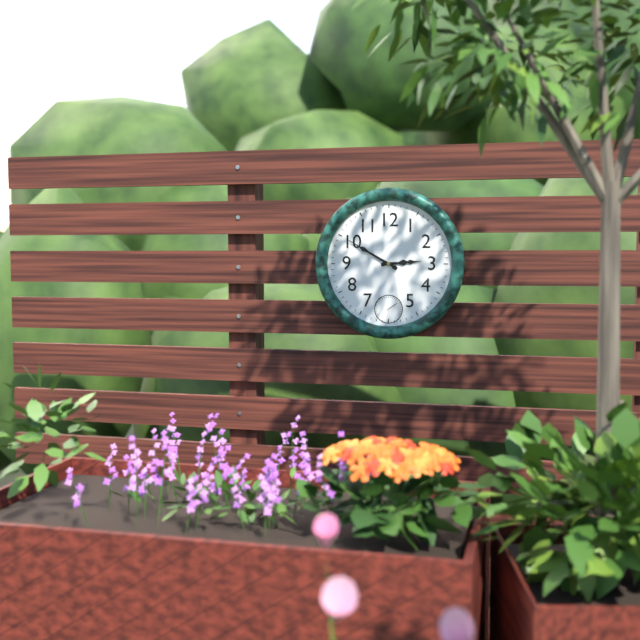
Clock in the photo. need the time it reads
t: 2:50
